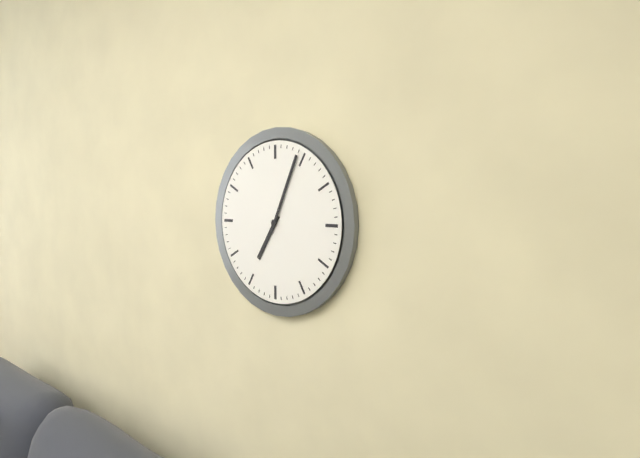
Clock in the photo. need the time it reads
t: 7:04
